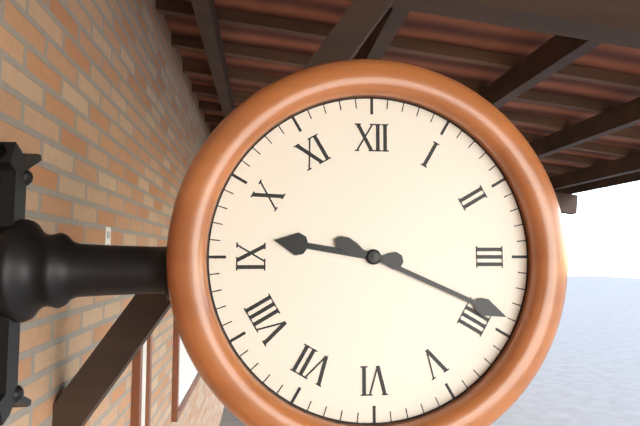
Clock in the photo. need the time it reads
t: 9:19
